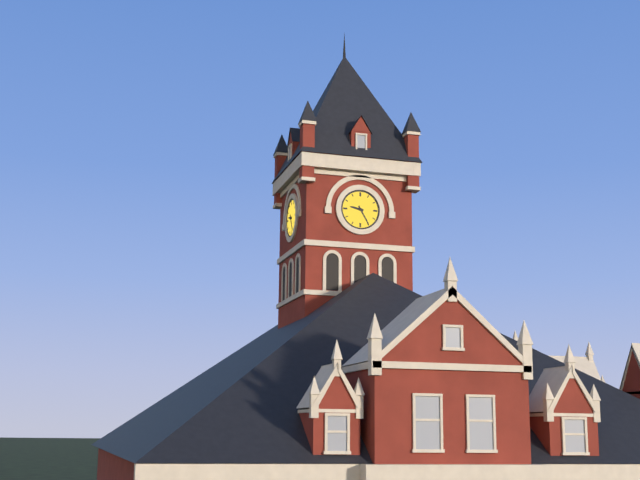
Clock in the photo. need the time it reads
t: 9:25
